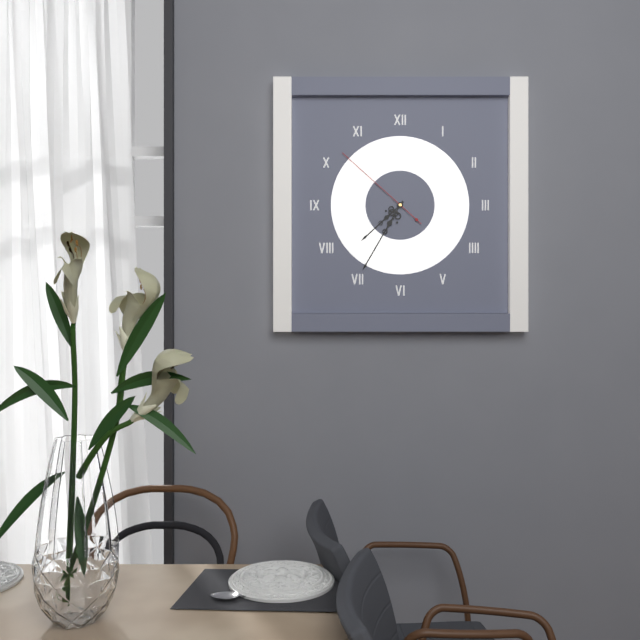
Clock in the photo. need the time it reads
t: 7:35:52
